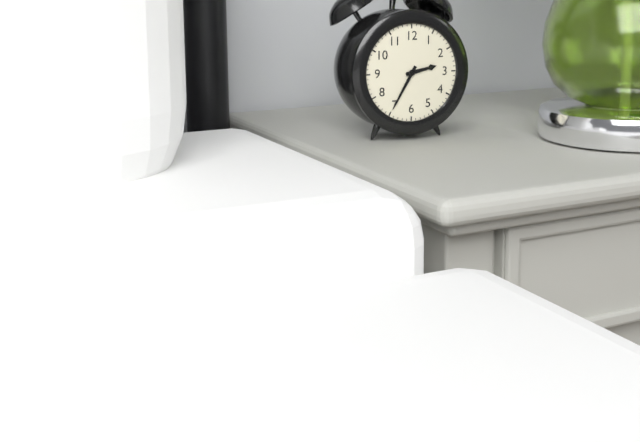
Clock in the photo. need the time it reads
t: 2:35
